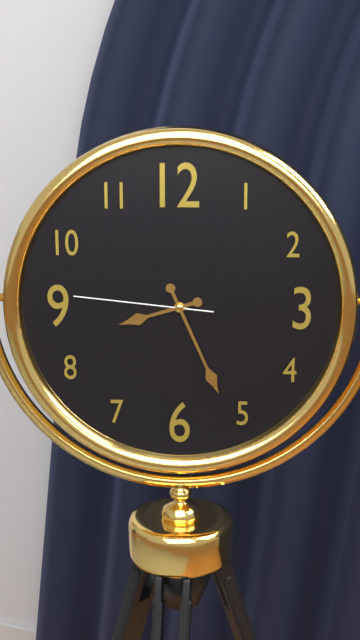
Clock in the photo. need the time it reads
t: 8:26:46
